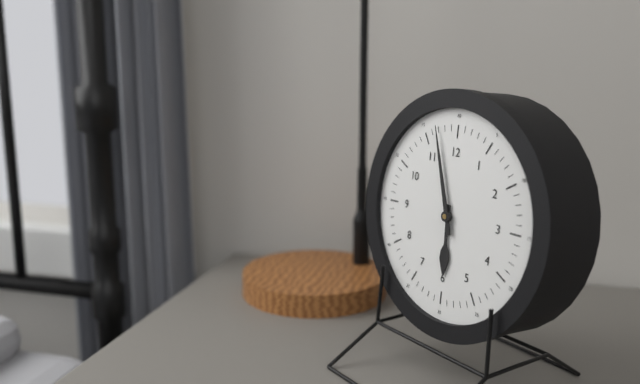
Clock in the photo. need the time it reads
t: 5:57
